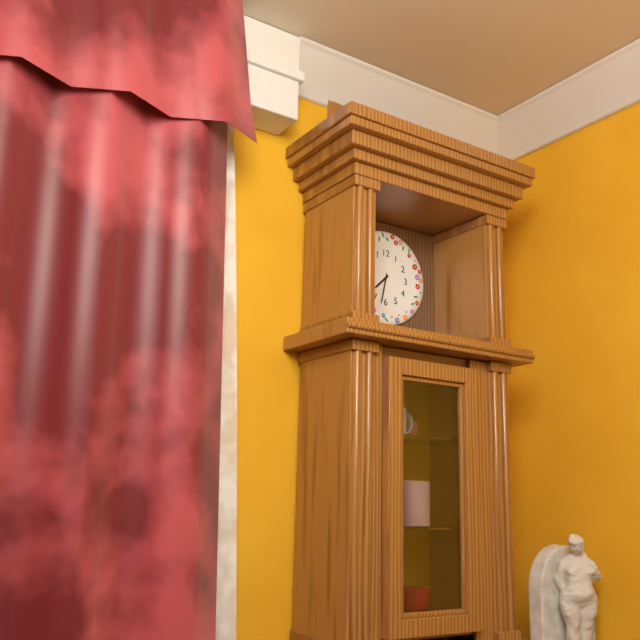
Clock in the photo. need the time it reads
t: 7:32
